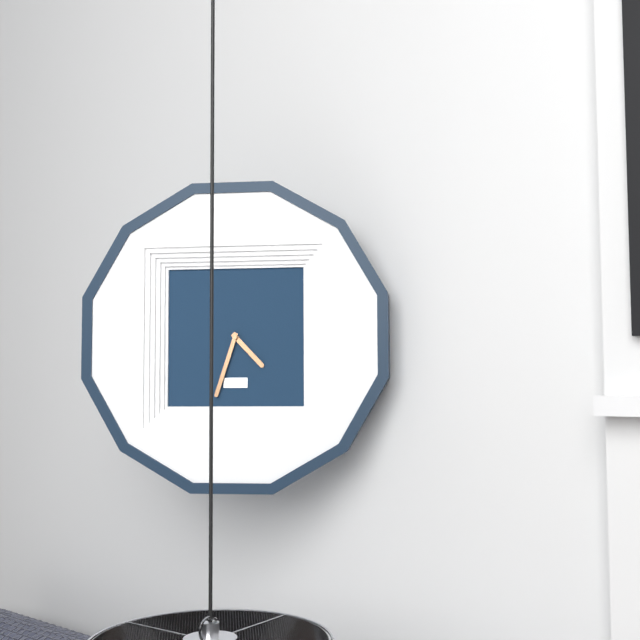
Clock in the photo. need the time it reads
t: 4:33
